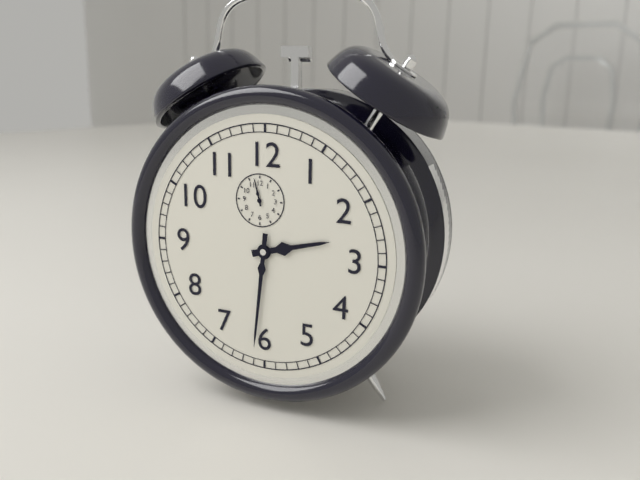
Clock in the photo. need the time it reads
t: 2:31
